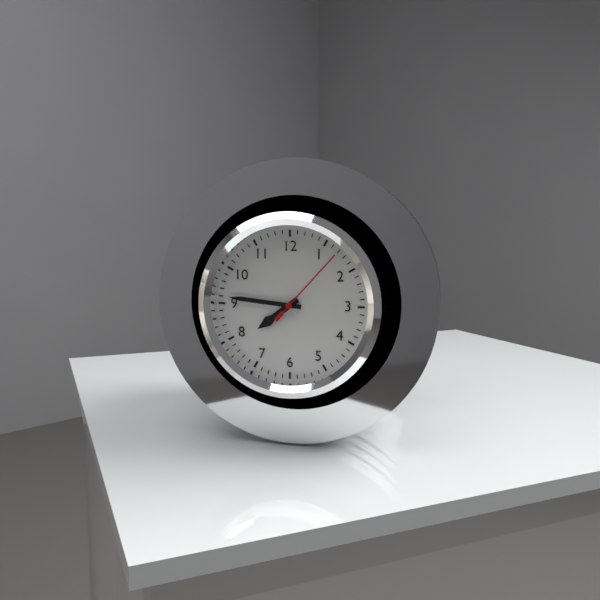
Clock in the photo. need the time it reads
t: 7:46:07
